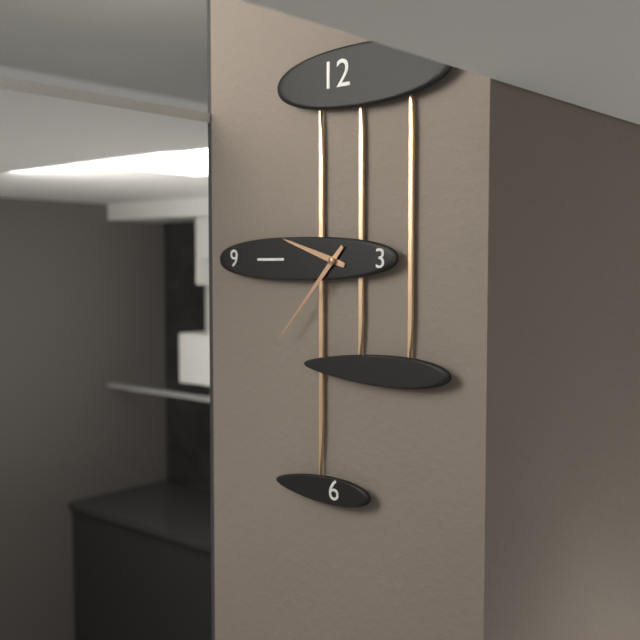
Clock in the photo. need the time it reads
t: 9:37
